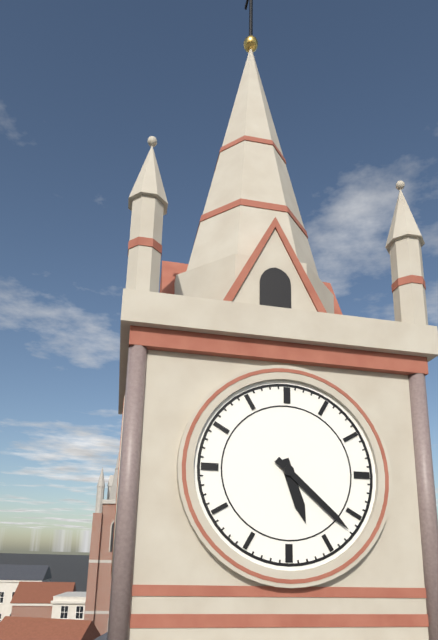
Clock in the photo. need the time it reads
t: 5:22
